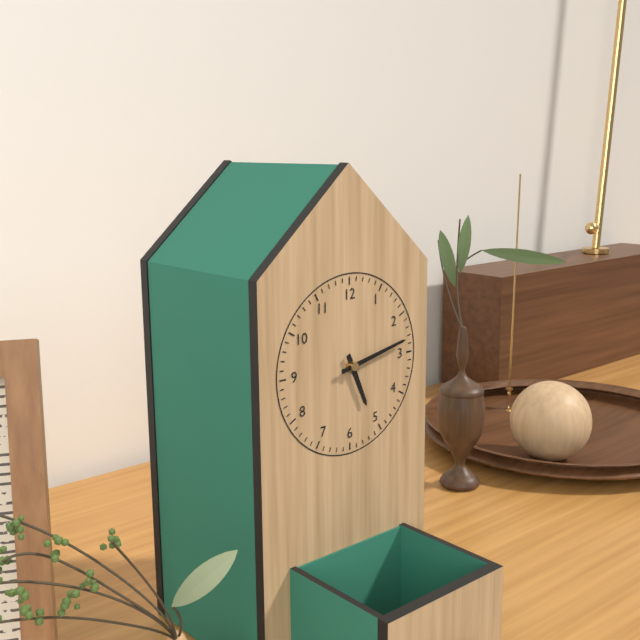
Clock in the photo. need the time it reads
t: 5:13
